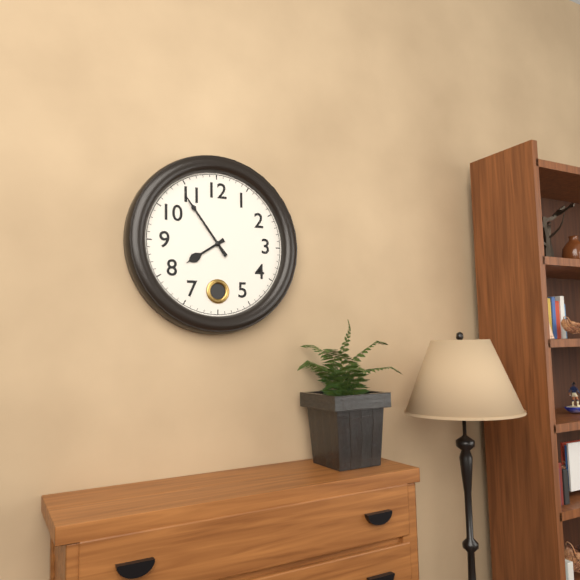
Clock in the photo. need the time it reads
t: 7:54
